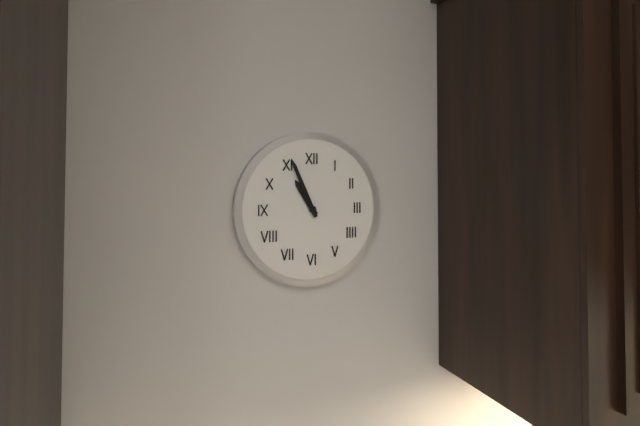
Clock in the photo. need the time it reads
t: 10:56
